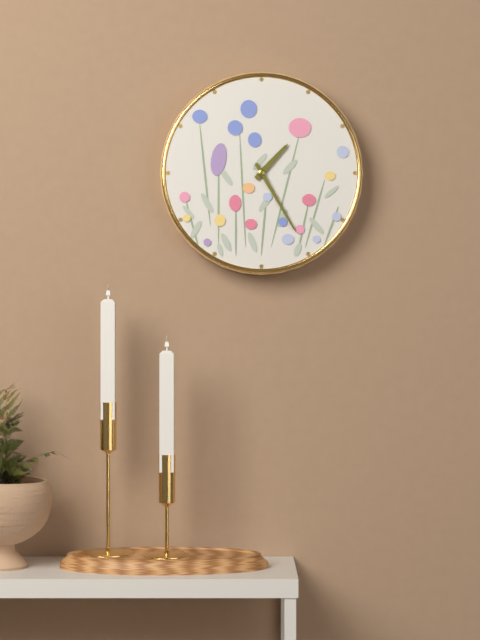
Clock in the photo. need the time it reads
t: 1:25
